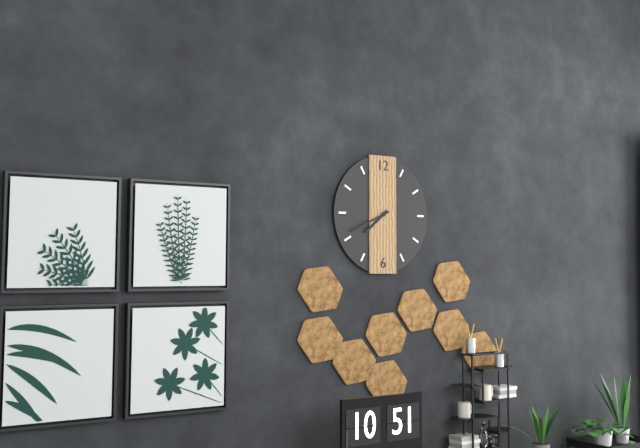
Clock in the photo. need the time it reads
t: 7:41
